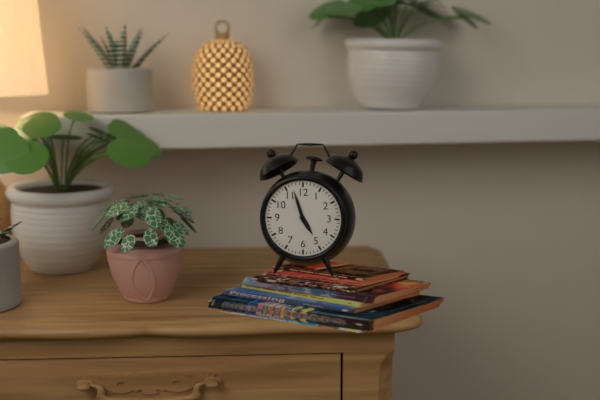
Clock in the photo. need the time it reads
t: 4:57
